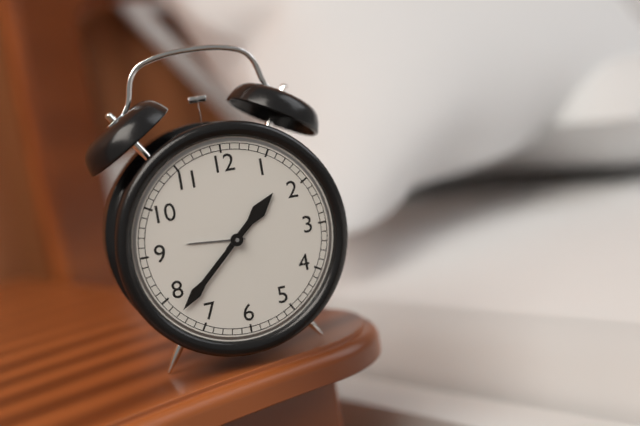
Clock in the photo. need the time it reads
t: 1:38
